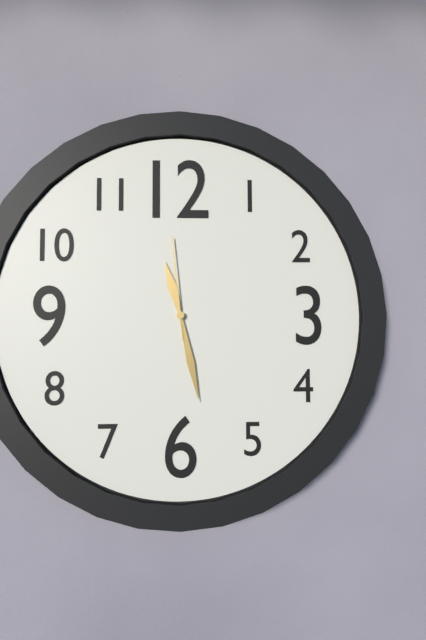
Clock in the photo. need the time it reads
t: 11:28:59
